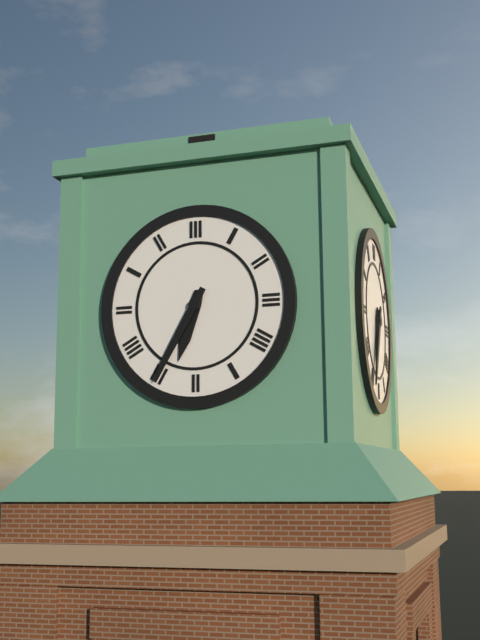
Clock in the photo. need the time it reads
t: 6:35
